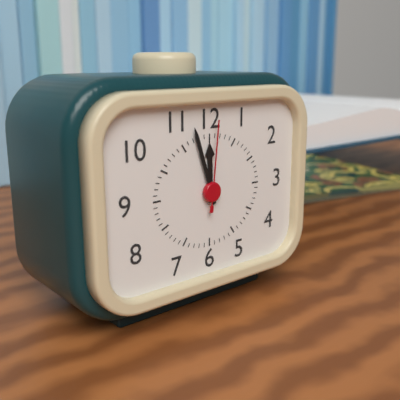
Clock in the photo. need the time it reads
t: 11:57:01
